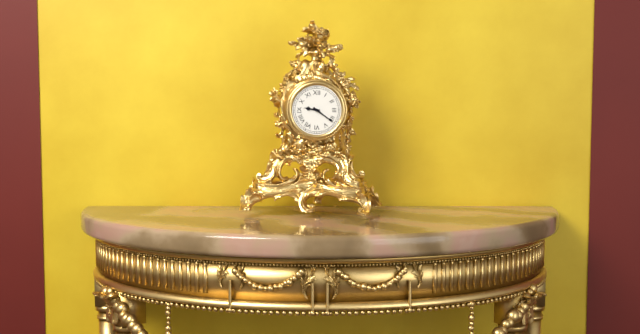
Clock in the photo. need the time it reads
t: 9:21
